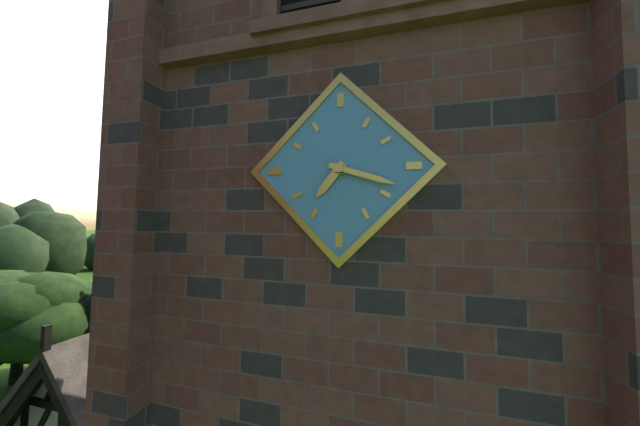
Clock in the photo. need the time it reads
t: 7:18
